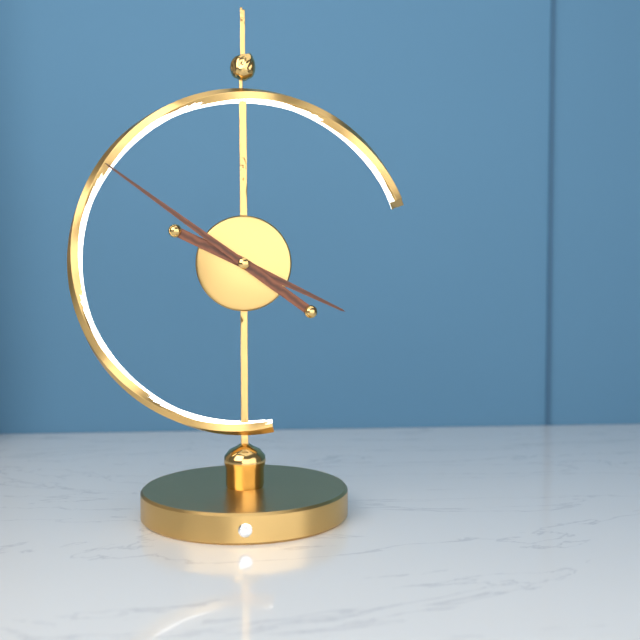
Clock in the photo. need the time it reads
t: 3:51
